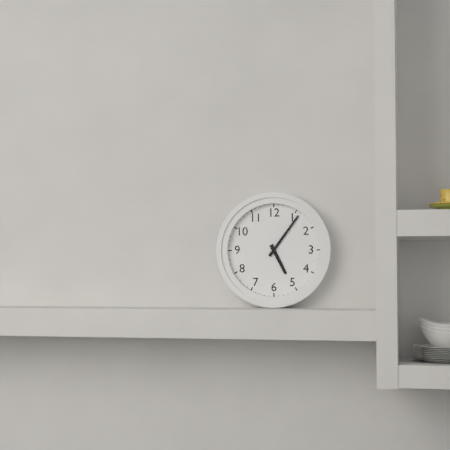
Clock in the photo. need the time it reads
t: 5:06
